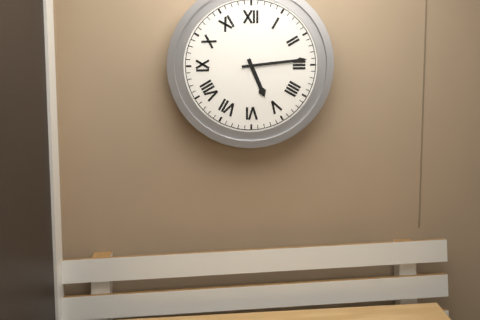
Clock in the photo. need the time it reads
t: 5:14
